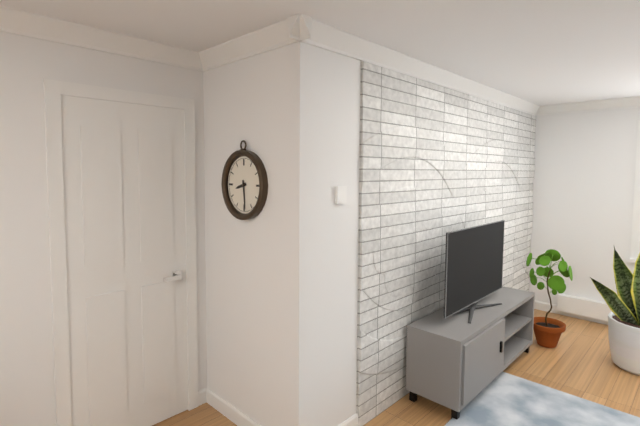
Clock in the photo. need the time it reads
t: 8:29
